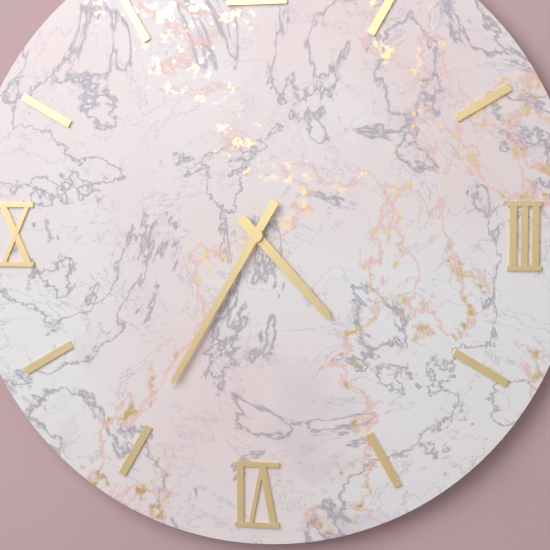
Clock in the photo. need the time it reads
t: 4:35
